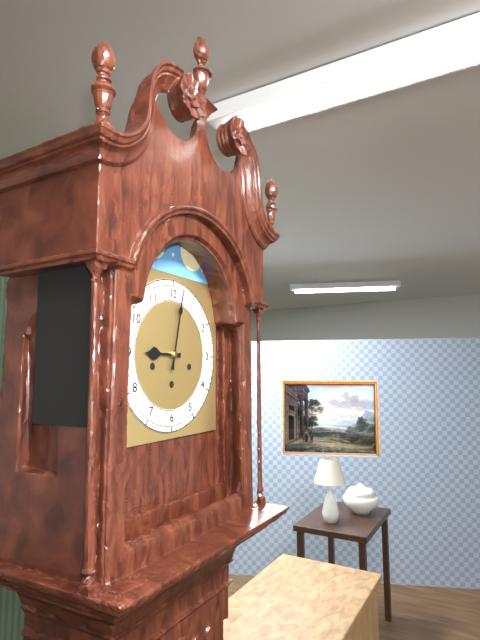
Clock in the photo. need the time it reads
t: 9:02
